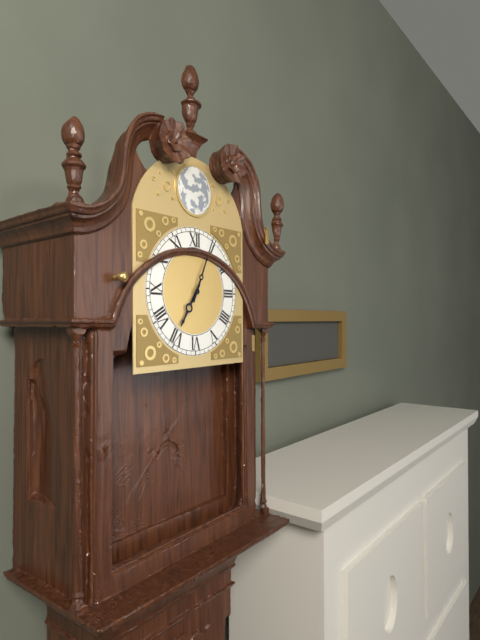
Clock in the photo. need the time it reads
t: 7:04
